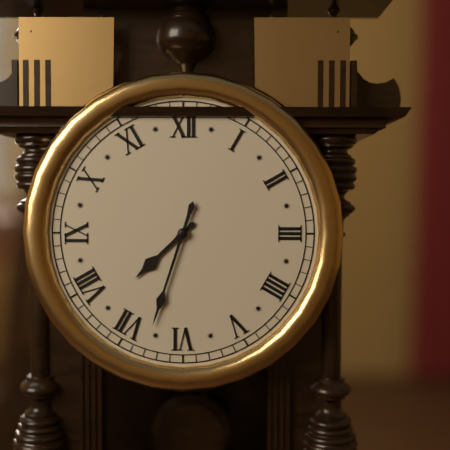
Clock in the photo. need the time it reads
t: 7:33
